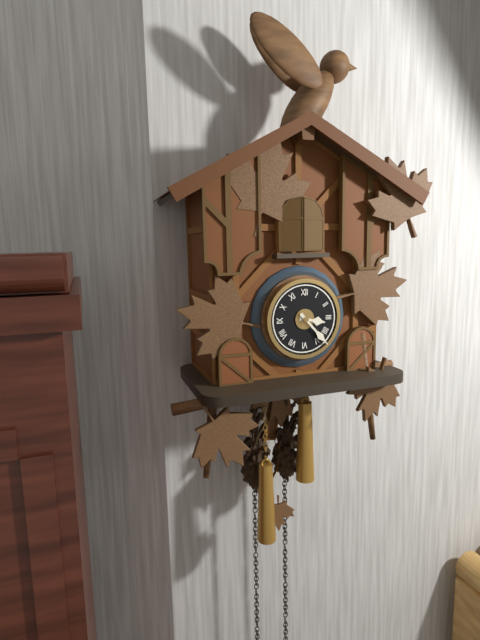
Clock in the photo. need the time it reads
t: 3:23
